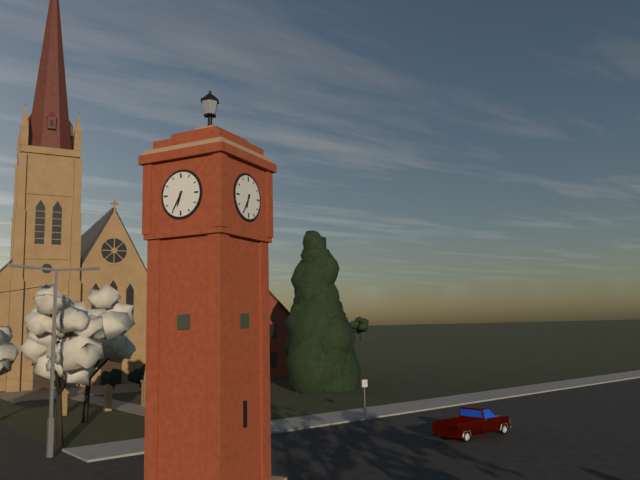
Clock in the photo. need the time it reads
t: 6:35
